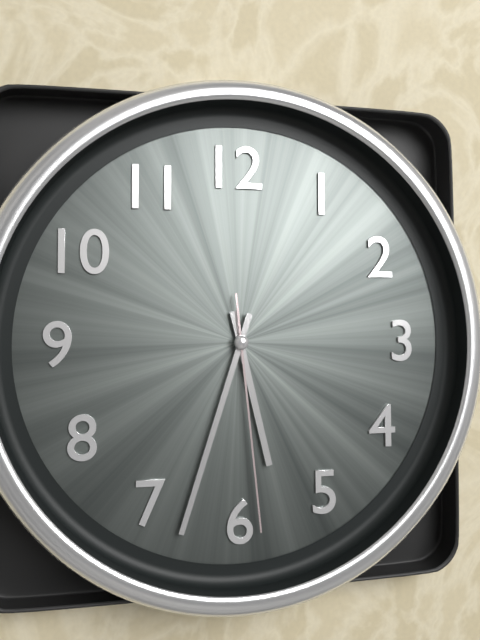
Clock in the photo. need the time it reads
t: 5:33:29
